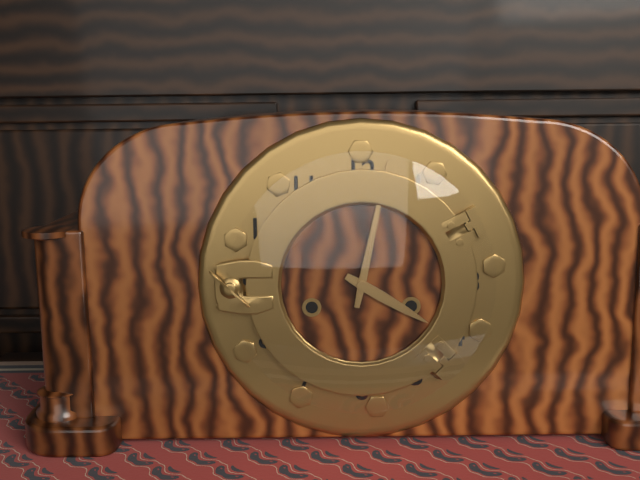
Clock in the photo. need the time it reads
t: 4:02
